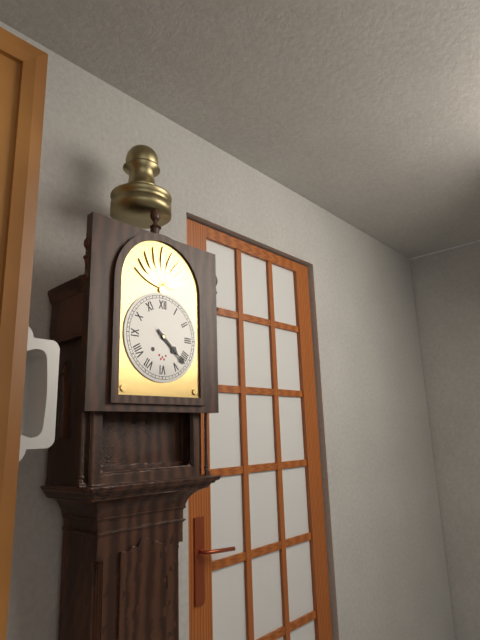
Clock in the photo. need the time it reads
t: 4:22
